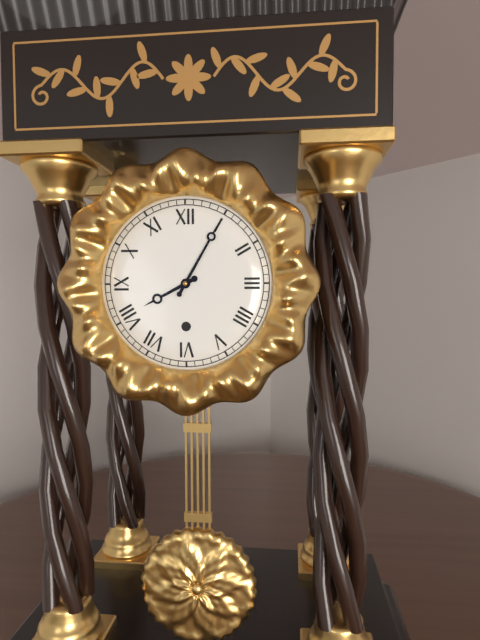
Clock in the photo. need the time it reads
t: 8:05
